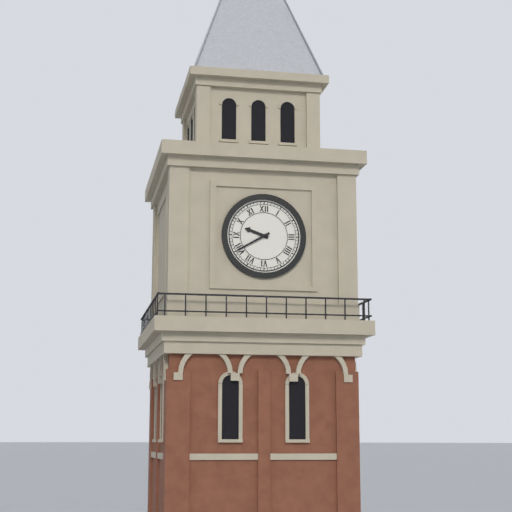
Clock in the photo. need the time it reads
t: 9:40
